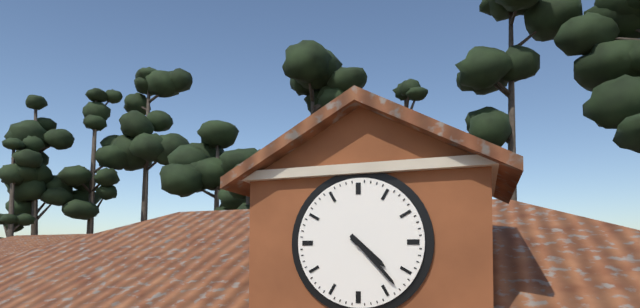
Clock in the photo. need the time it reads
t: 4:23
